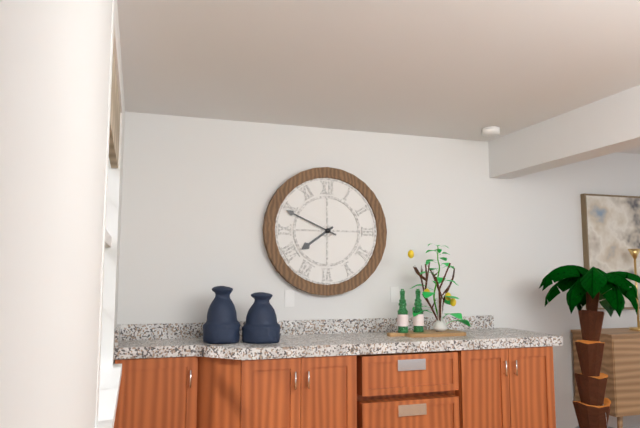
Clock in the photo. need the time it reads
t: 7:49
